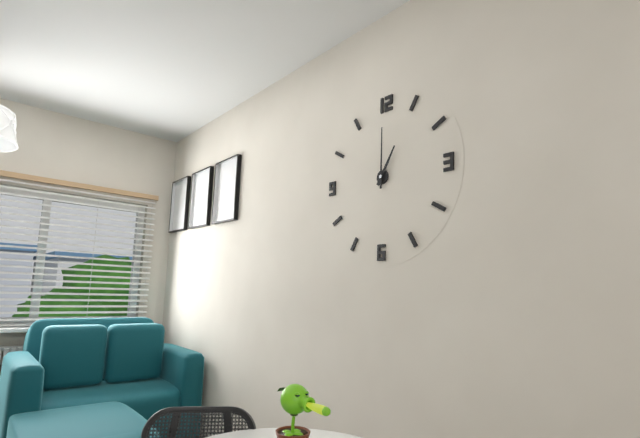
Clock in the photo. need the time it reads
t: 1:00
